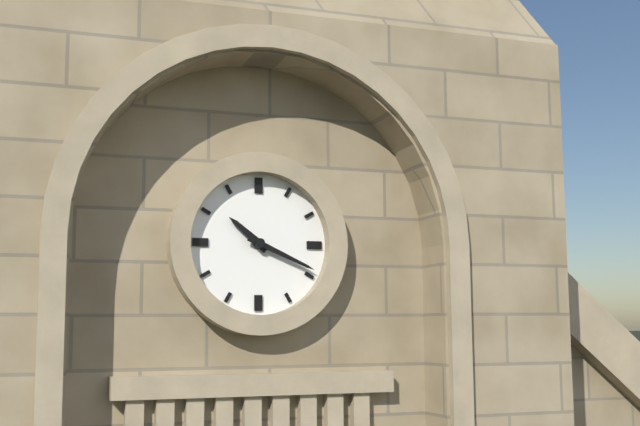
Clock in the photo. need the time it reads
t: 10:19
